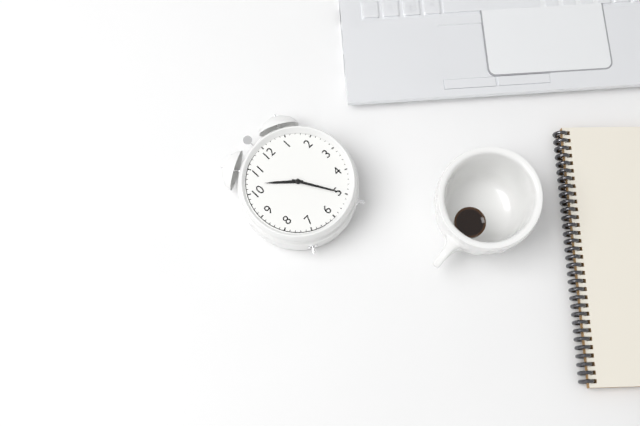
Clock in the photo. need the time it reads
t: 10:25
